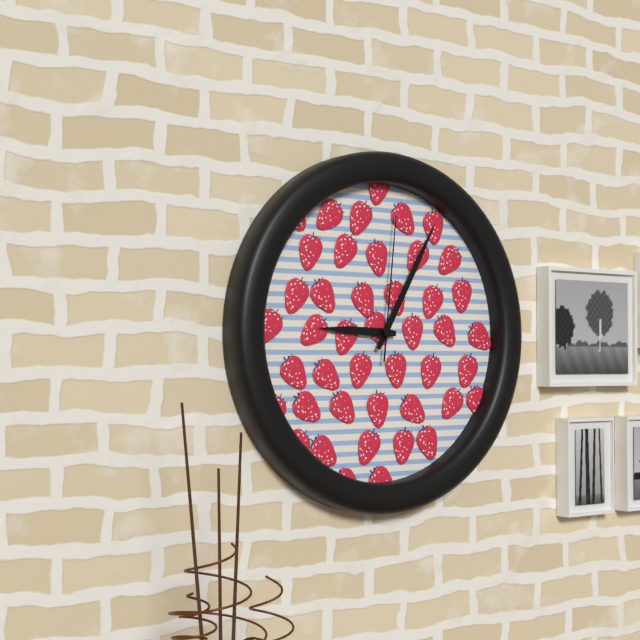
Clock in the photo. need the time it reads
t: 9:05:01
